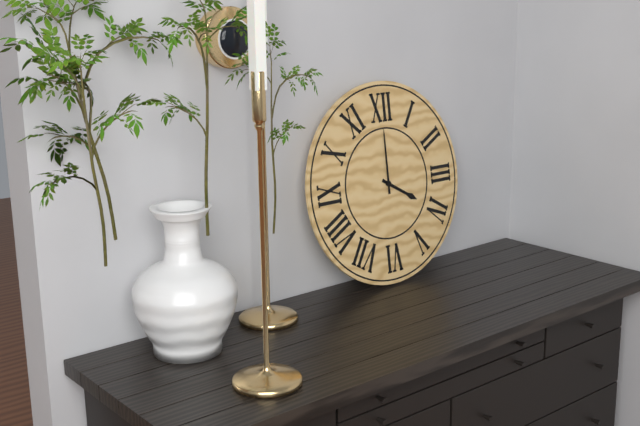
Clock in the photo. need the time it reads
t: 4:00
